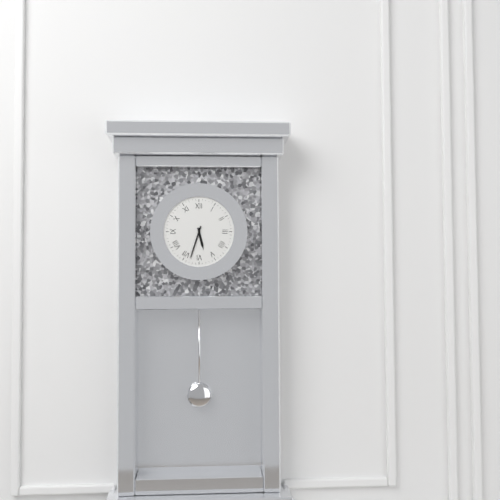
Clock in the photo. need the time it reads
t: 5:33
